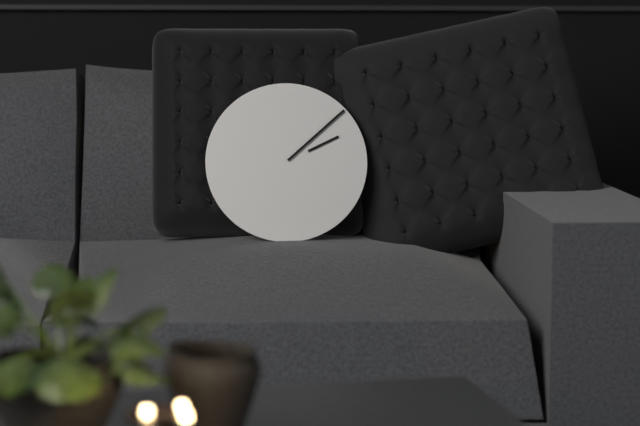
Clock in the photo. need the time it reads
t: 2:08
